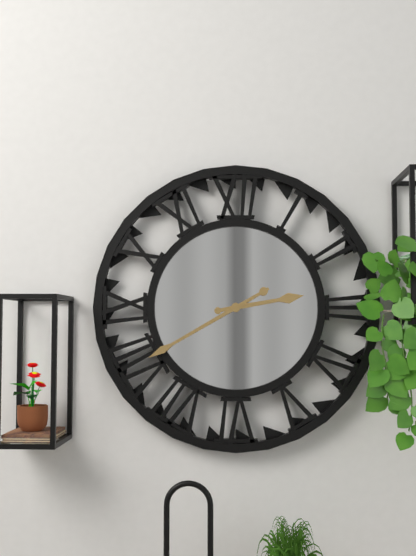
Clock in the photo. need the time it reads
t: 2:40
